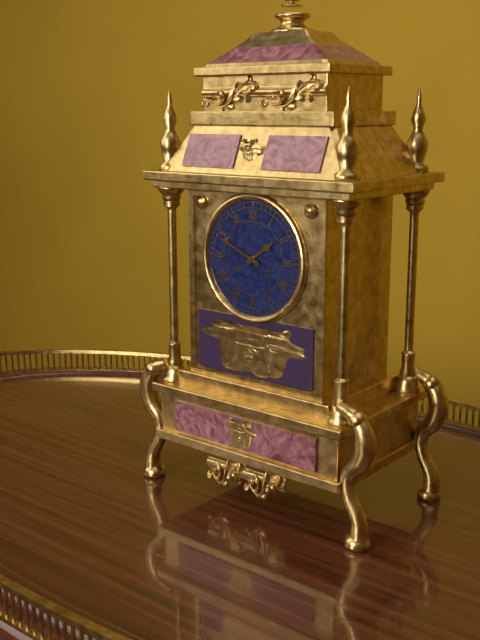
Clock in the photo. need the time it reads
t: 1:49
